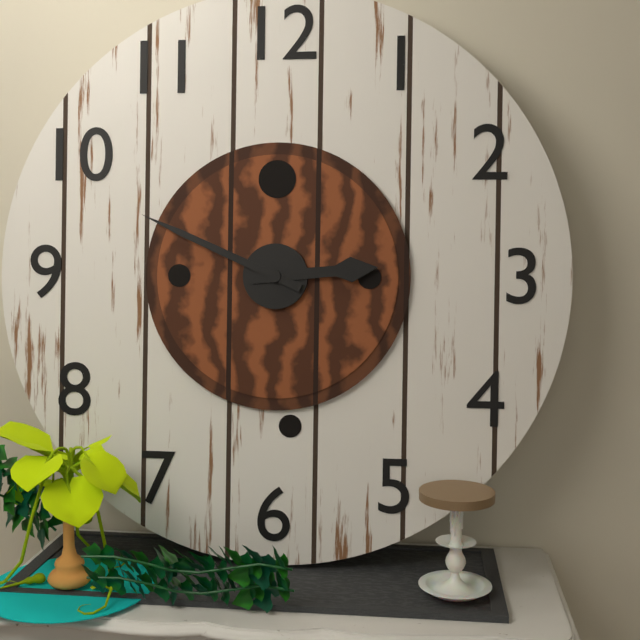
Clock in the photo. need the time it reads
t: 2:49
